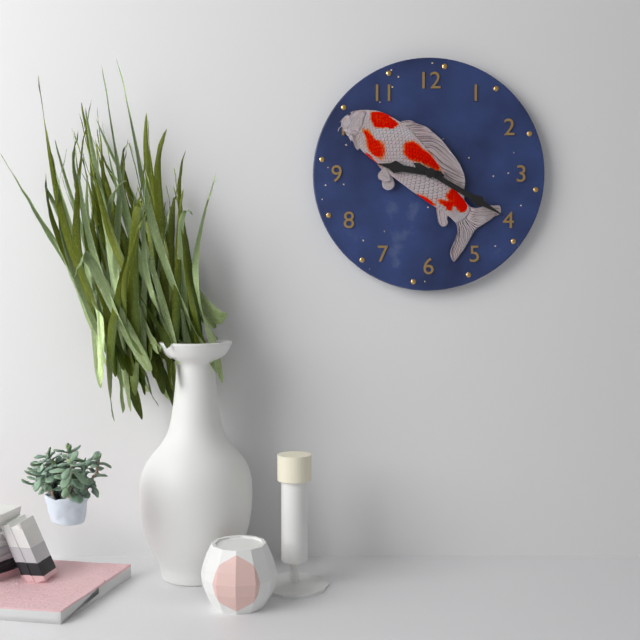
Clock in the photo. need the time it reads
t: 9:20
